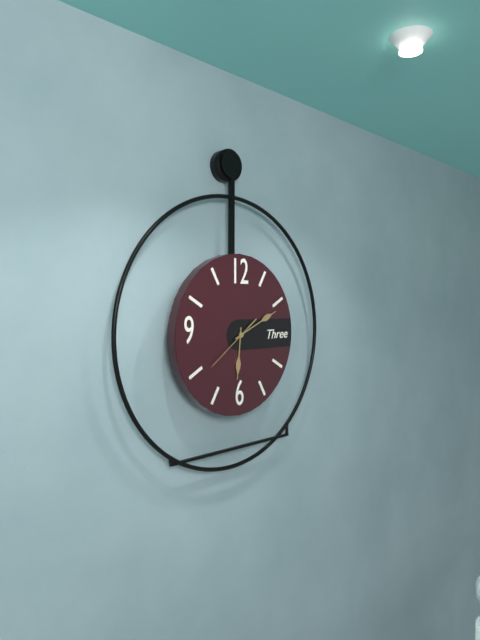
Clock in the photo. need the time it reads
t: 6:11
